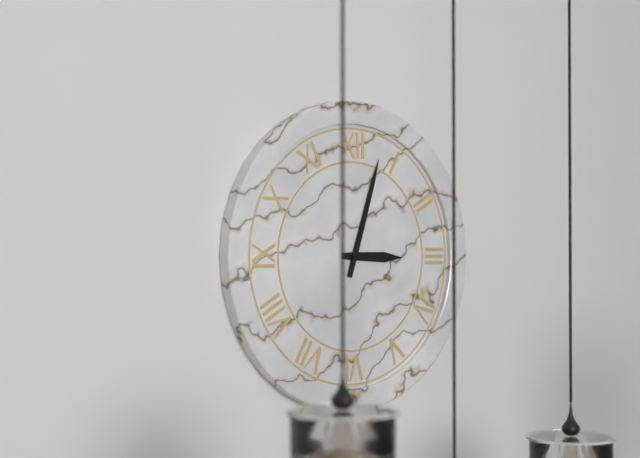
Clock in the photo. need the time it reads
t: 3:03
